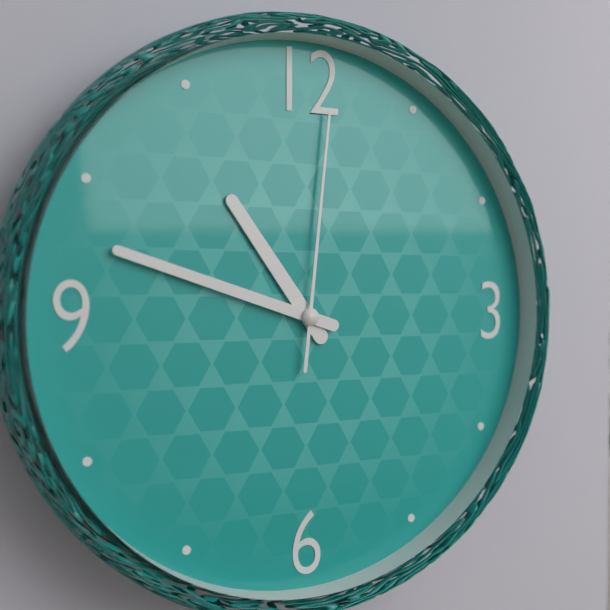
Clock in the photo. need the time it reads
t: 10:48:01
